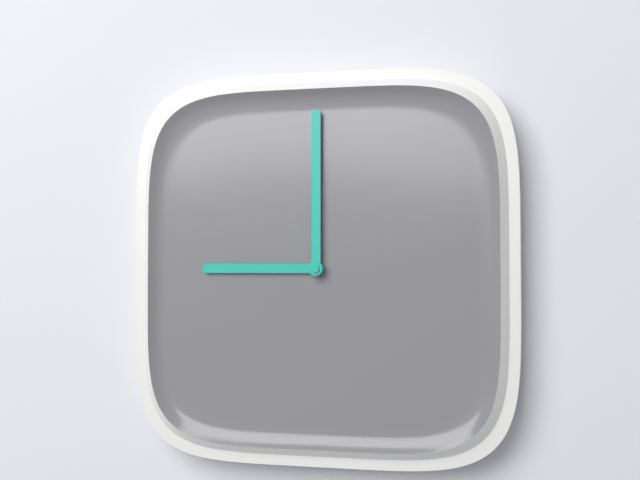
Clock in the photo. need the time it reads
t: 9:00
